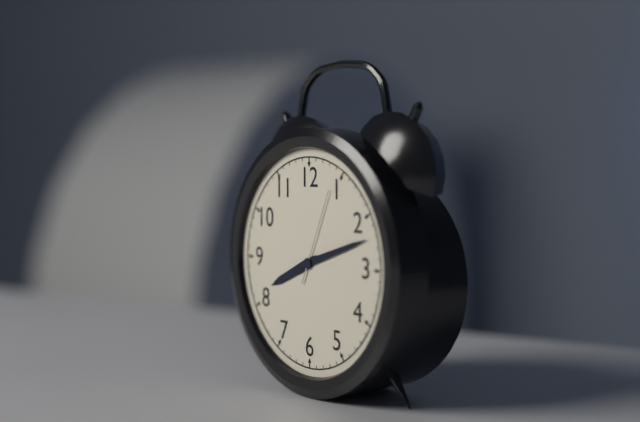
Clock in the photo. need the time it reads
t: 8:12:04
